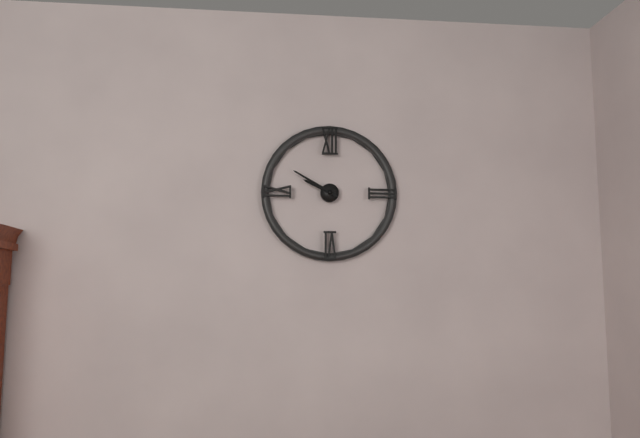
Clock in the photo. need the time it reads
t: 9:50
